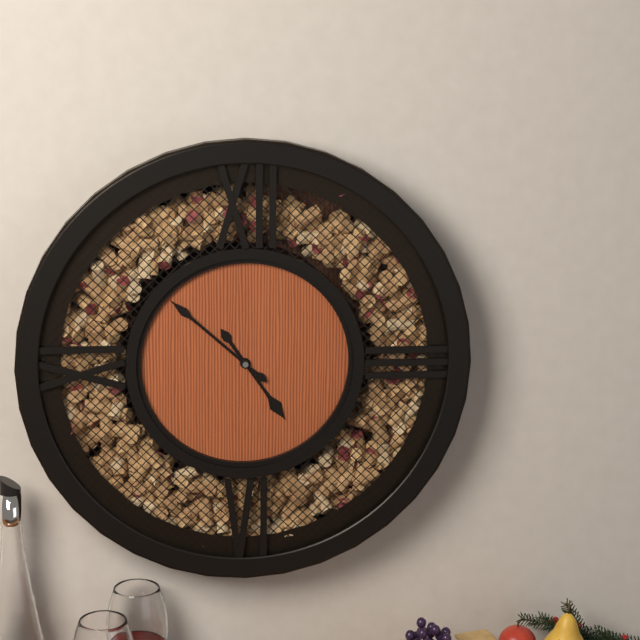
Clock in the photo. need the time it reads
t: 4:52
